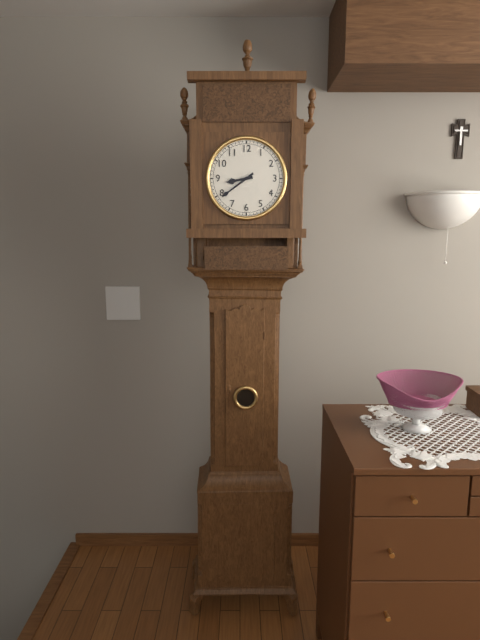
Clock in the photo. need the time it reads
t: 8:39
